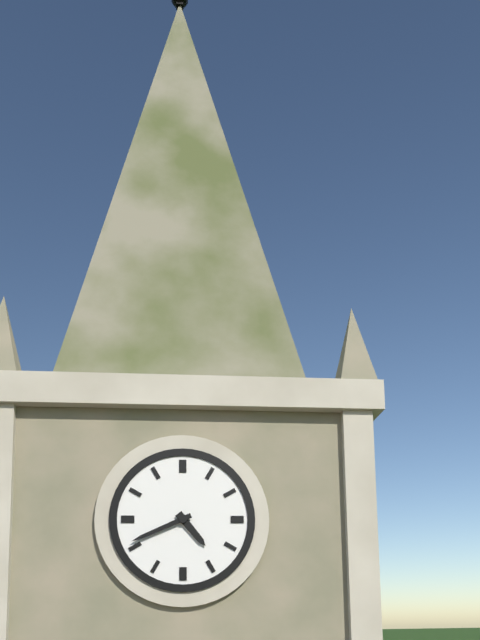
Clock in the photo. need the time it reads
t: 4:41
